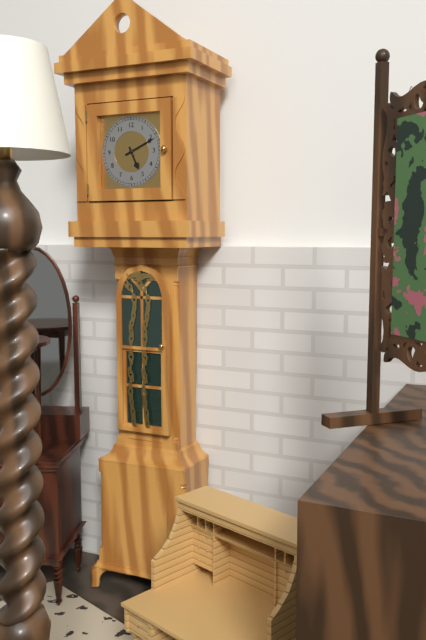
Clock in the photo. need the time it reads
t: 5:11
